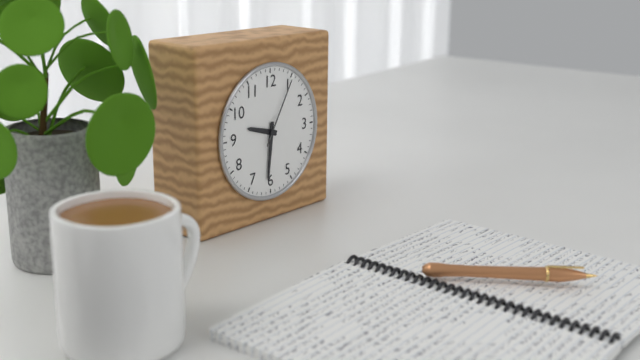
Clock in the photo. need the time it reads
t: 9:31:05
